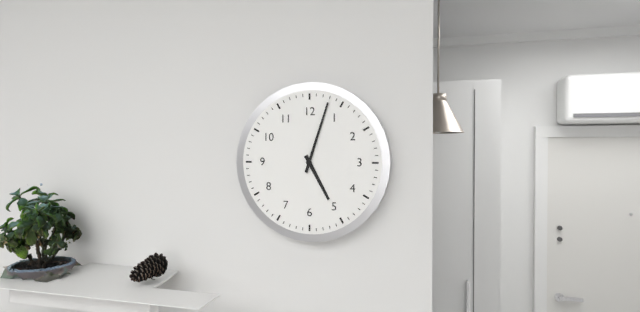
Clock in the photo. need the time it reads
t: 5:03
